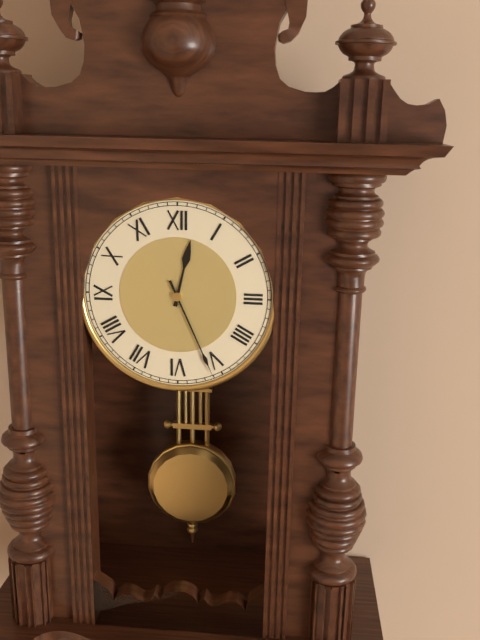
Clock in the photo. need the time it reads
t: 12:26
